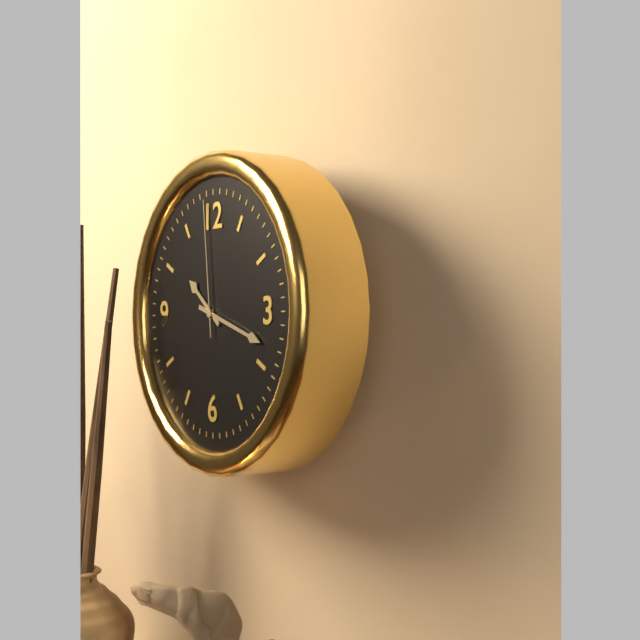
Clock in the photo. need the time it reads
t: 10:18:59
